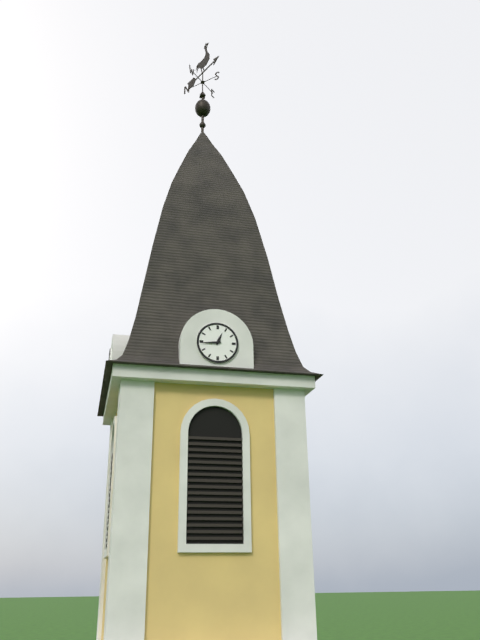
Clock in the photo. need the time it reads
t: 12:44
